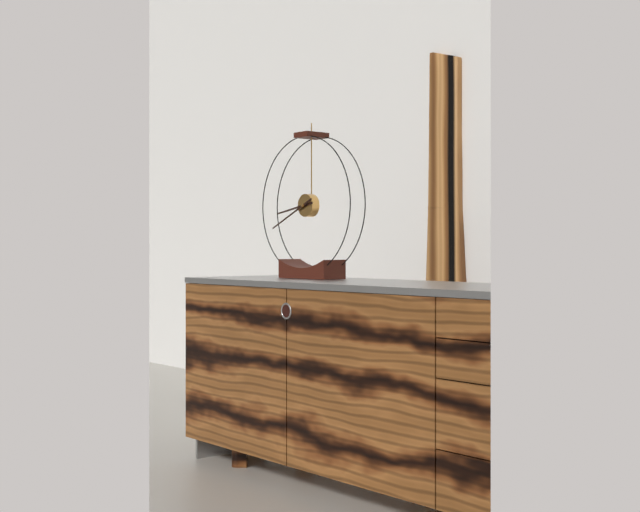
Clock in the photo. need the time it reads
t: 8:41
